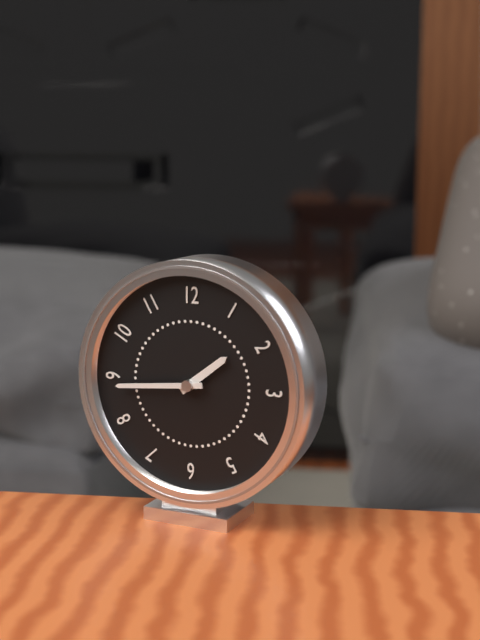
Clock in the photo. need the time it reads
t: 1:44
